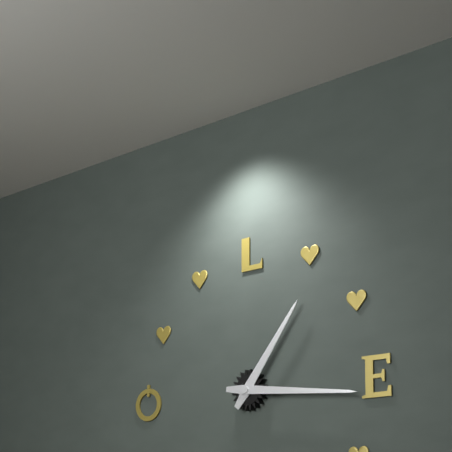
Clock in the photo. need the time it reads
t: 1:16
